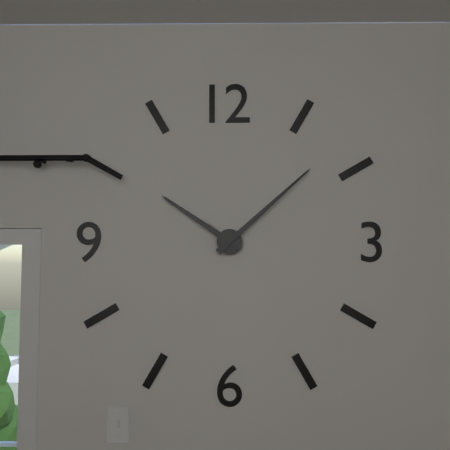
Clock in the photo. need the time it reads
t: 10:08
